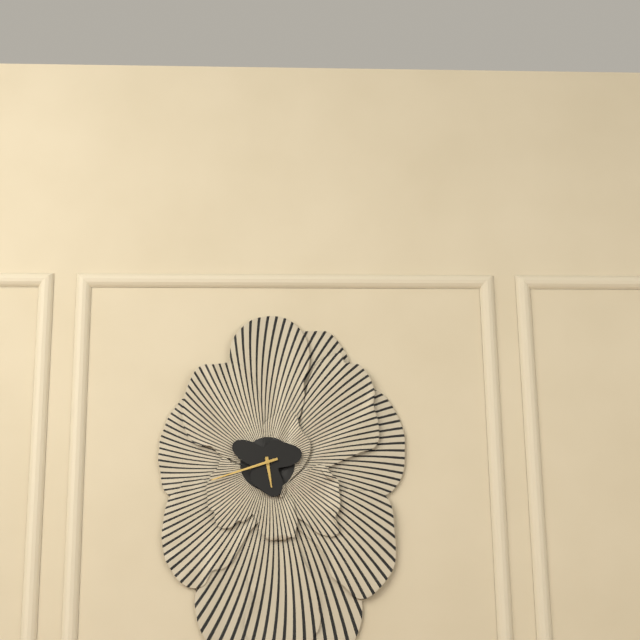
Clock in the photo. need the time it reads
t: 5:42
